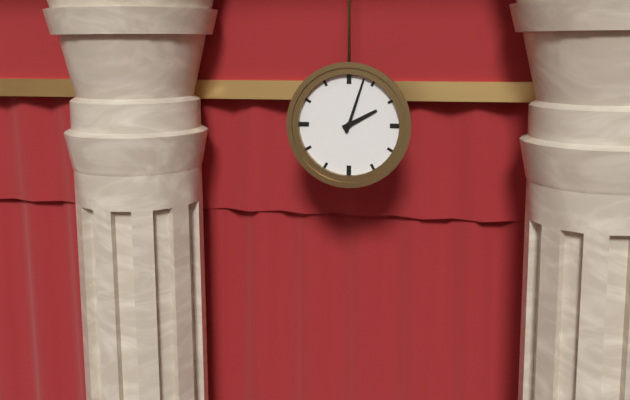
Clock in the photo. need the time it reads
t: 2:03
